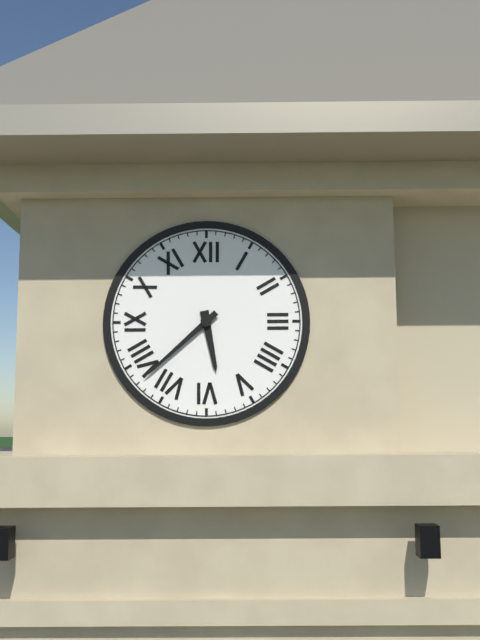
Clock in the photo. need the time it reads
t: 5:38
